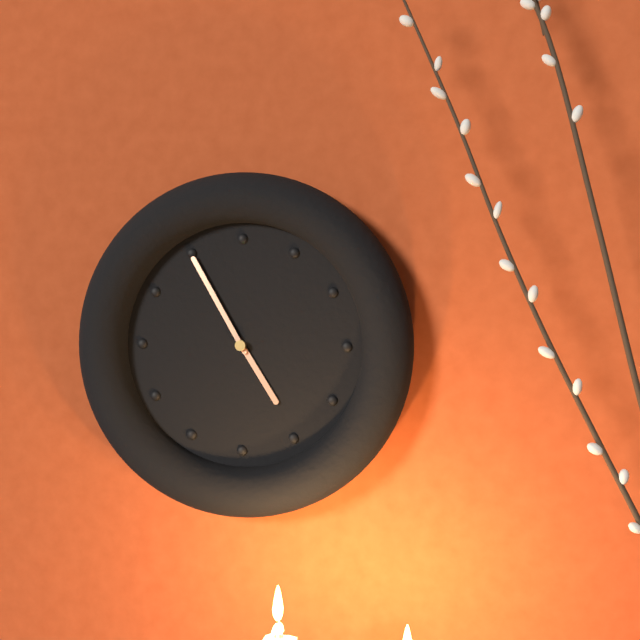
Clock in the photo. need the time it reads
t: 4:55
